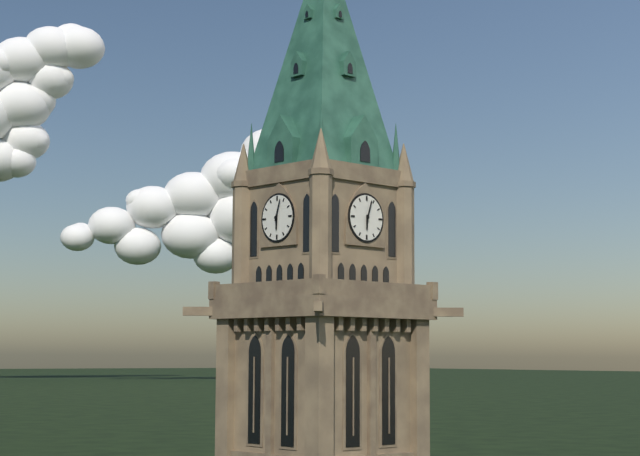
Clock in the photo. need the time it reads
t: 6:03
